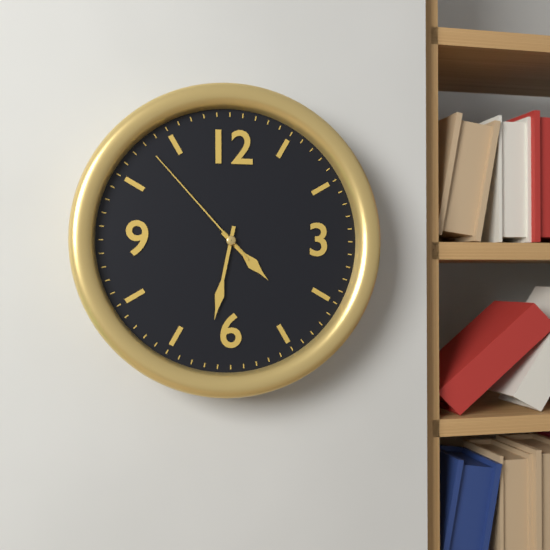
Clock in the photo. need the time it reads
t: 4:32:53
